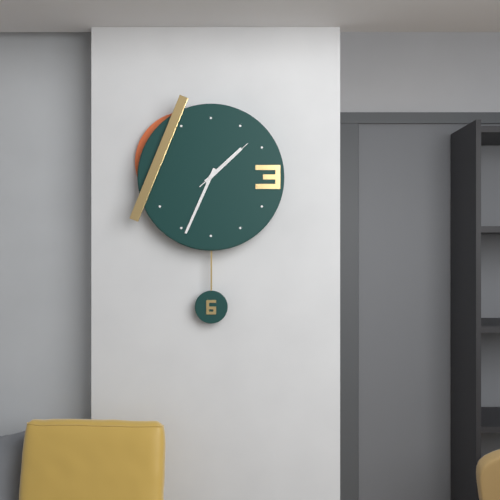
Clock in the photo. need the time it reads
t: 1:34:08
